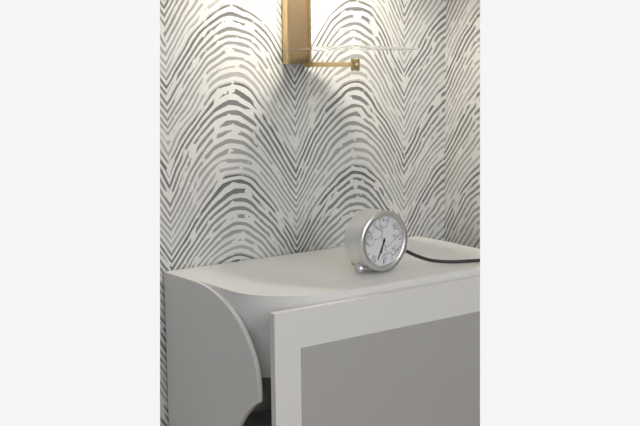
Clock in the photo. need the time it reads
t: 6:34
